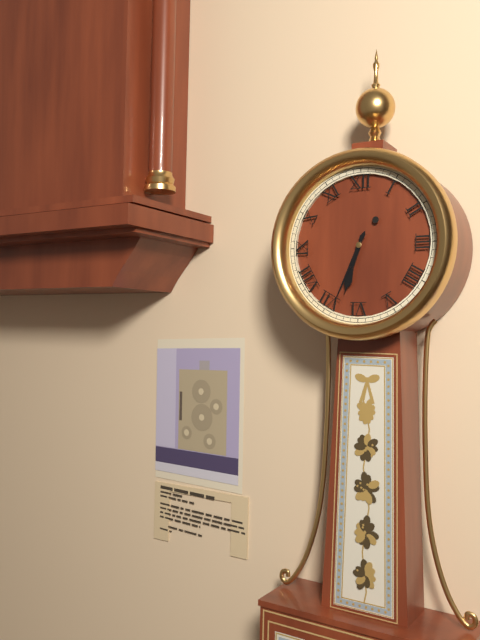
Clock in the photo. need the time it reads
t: 6:34
